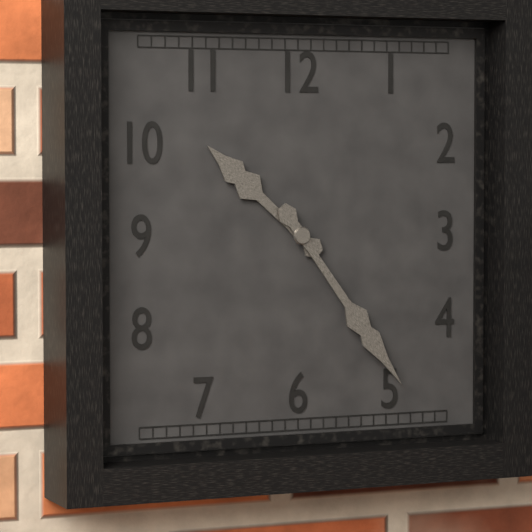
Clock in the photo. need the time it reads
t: 10:24
